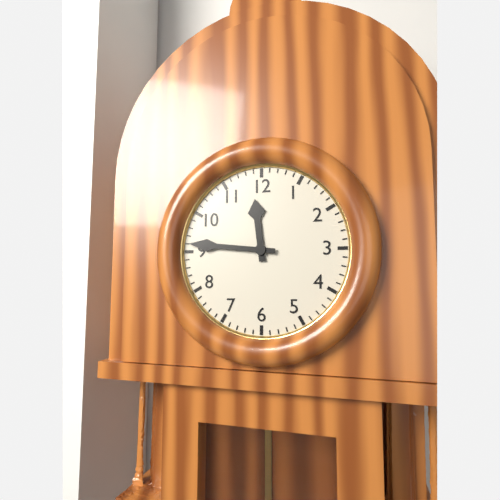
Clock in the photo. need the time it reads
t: 11:46
